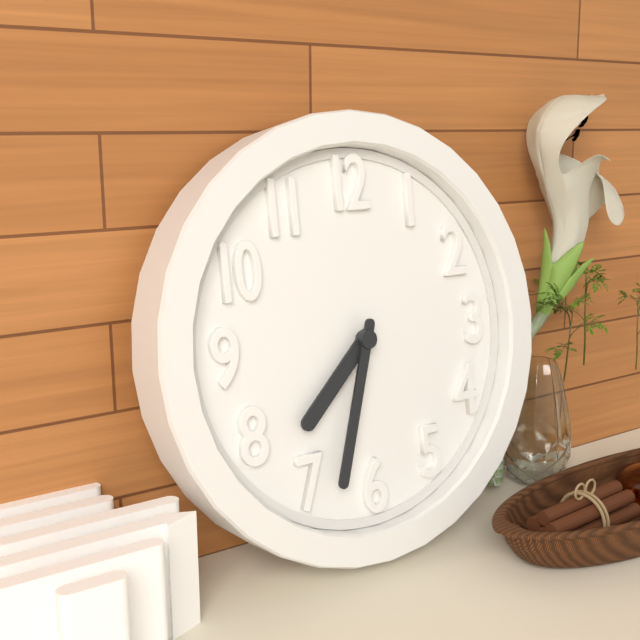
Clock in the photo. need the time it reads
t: 7:33
